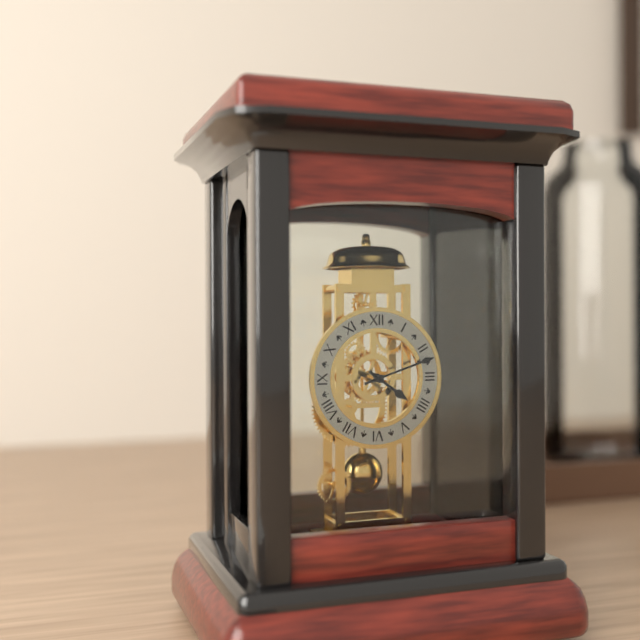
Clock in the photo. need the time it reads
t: 4:12
